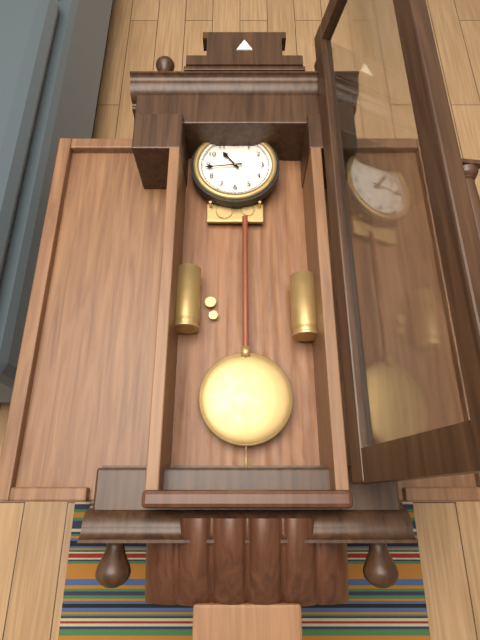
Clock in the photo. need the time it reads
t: 10:44
